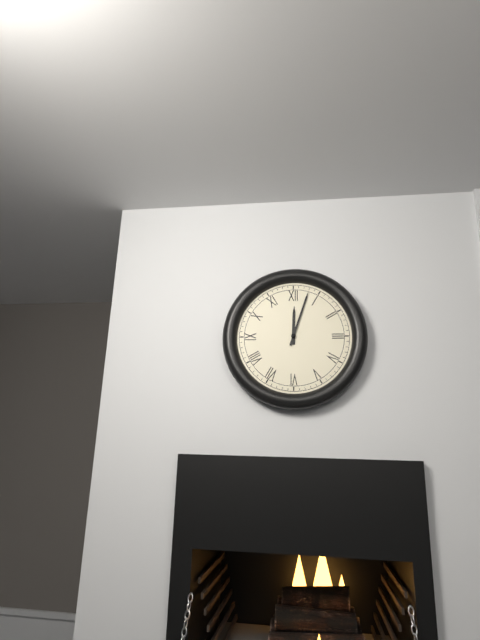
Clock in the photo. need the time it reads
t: 12:03
